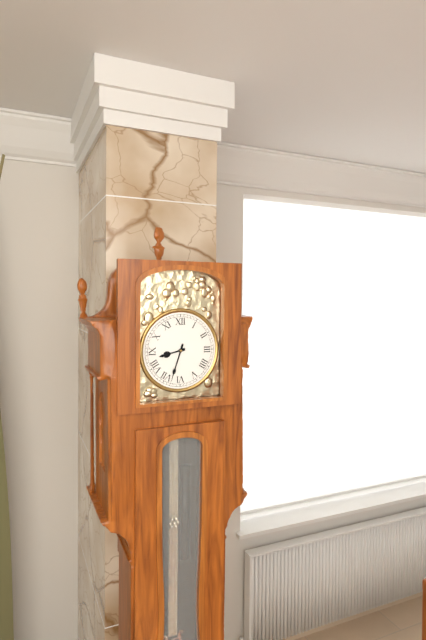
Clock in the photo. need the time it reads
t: 8:33
